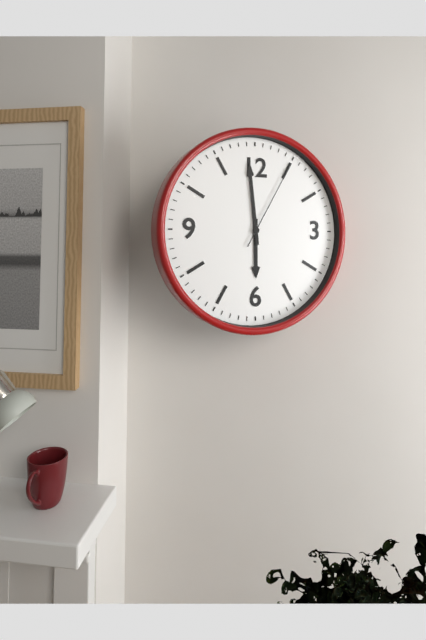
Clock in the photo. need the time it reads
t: 5:59:05
